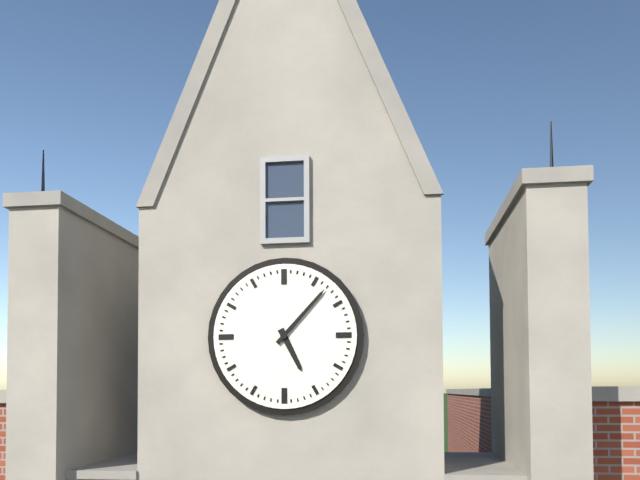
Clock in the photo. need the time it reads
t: 5:07
